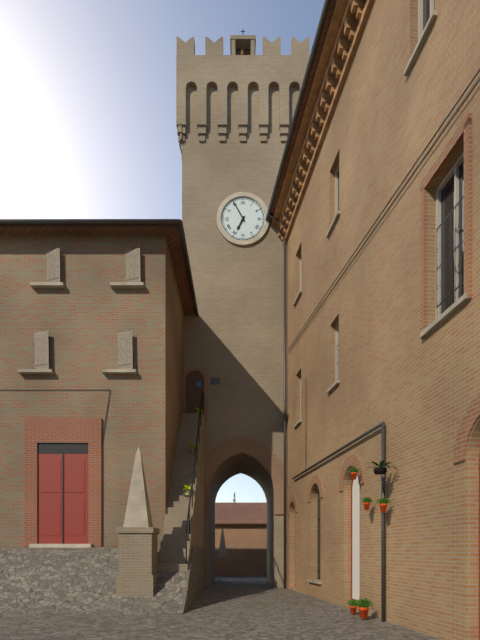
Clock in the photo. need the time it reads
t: 6:55
